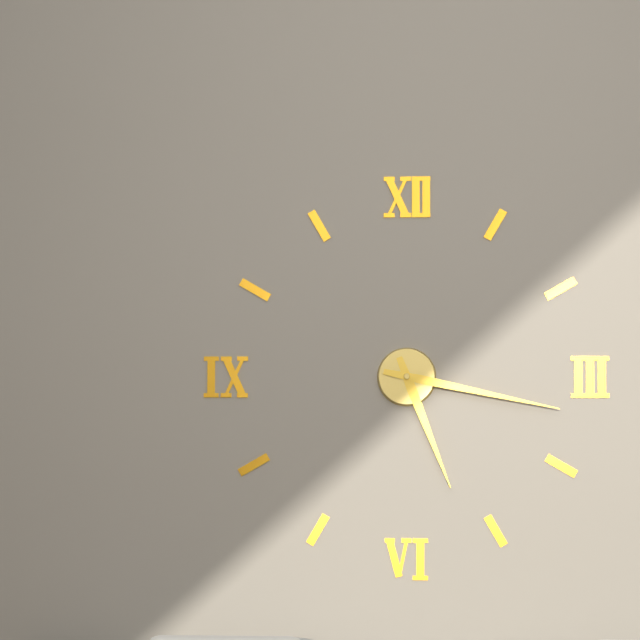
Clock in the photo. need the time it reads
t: 5:17
